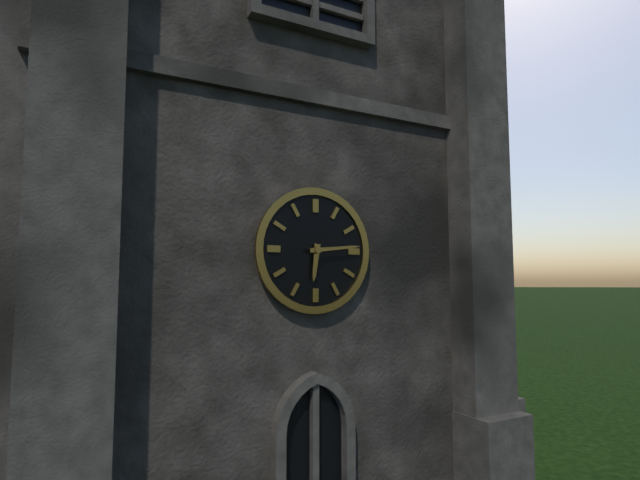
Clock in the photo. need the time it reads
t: 6:14
